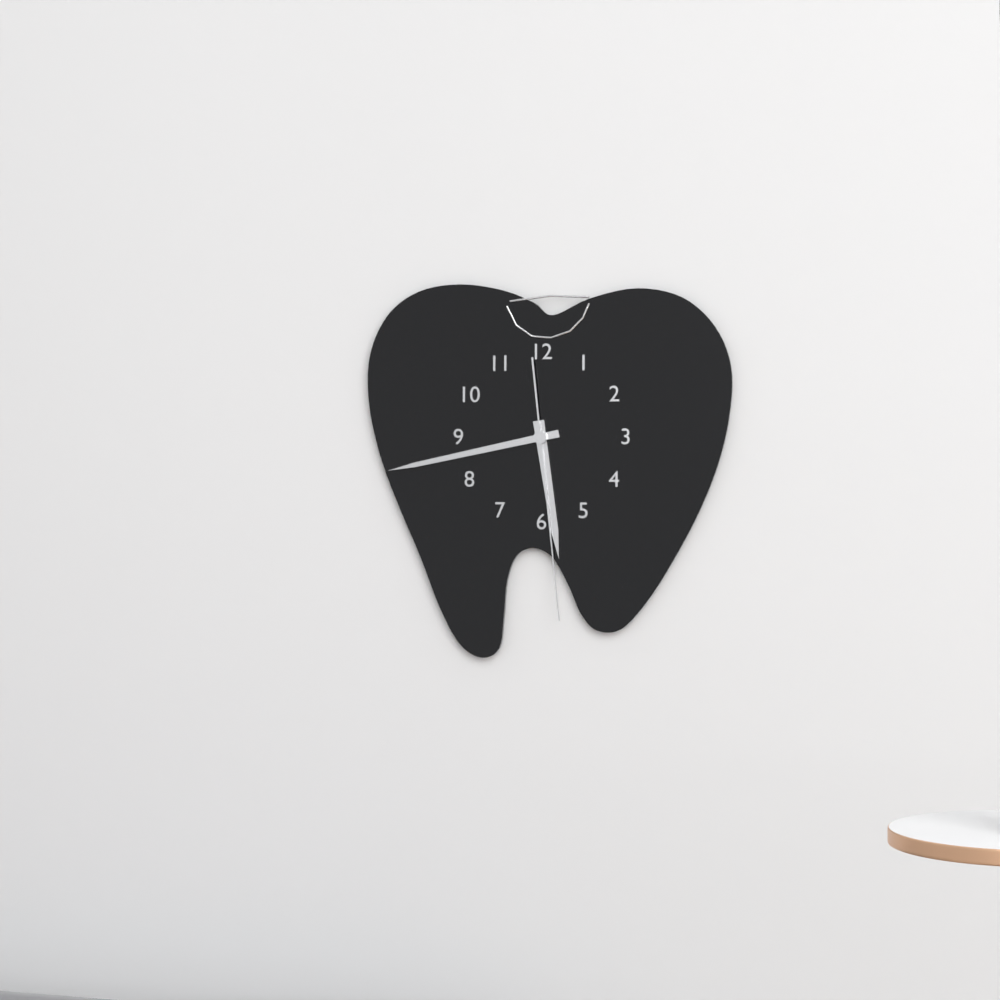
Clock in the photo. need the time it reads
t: 5:43:29
